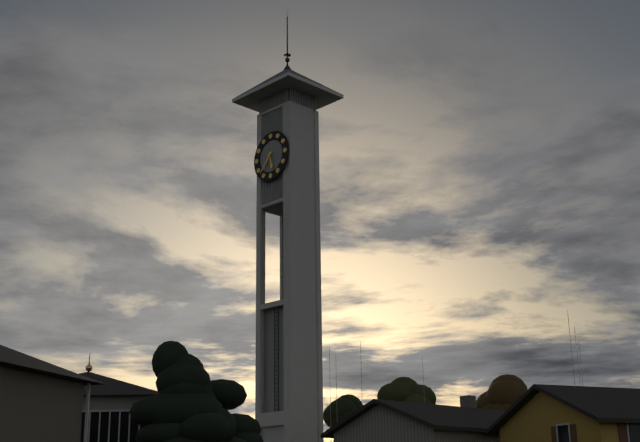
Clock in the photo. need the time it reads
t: 5:37
